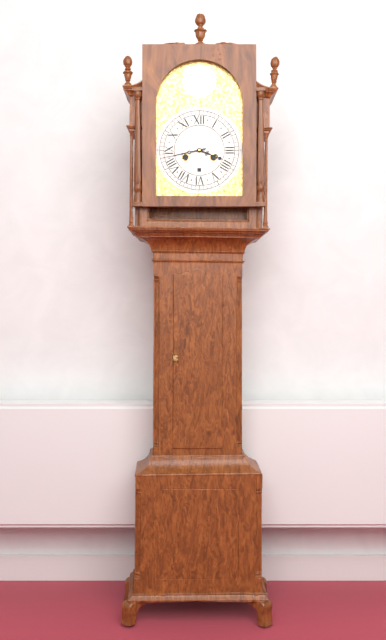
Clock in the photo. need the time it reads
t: 3:43
